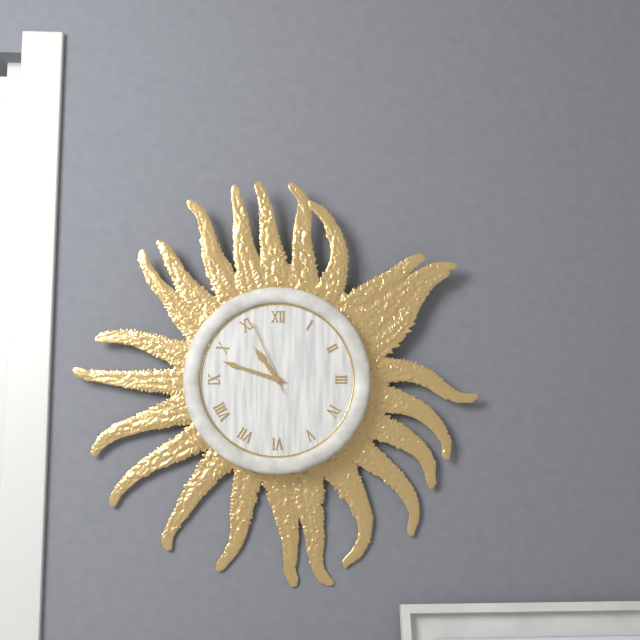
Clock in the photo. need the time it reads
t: 10:48:56
